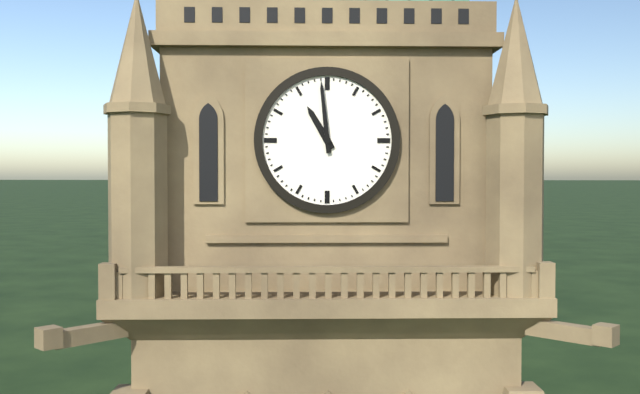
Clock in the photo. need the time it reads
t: 10:59
